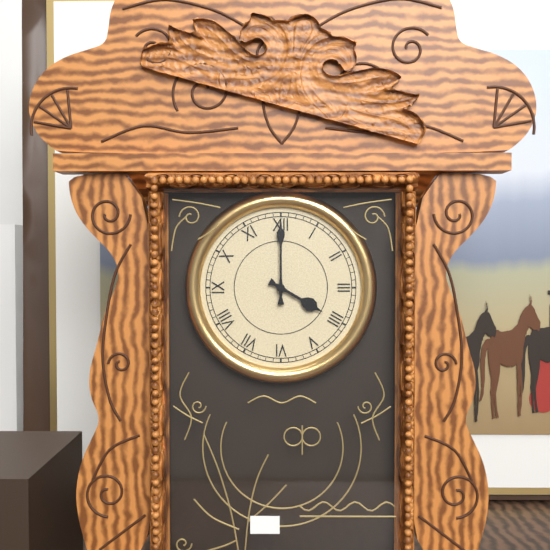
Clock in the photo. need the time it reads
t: 4:00
